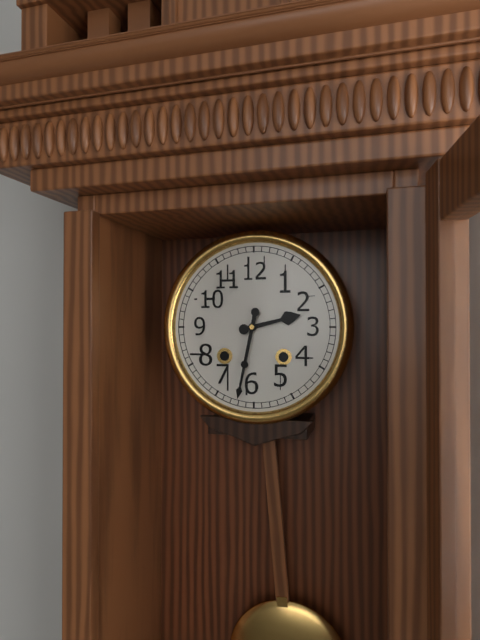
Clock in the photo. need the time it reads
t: 2:32
